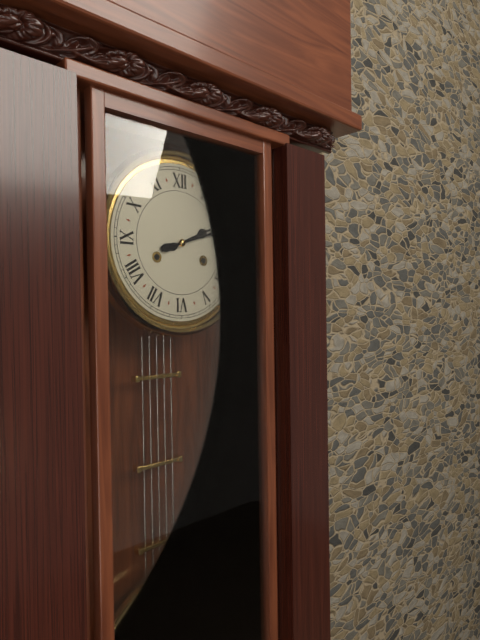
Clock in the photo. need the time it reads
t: 2:12
